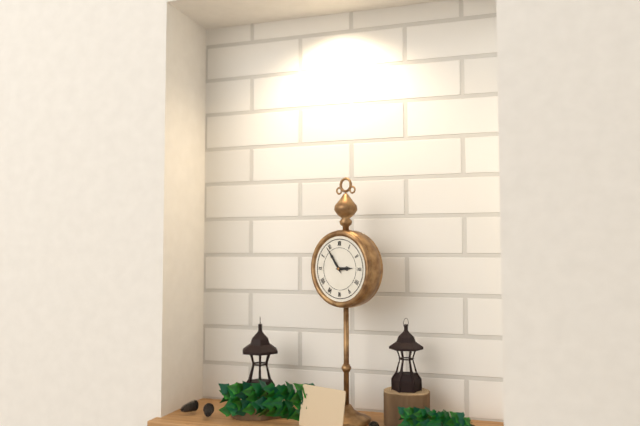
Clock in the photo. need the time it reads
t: 2:54
